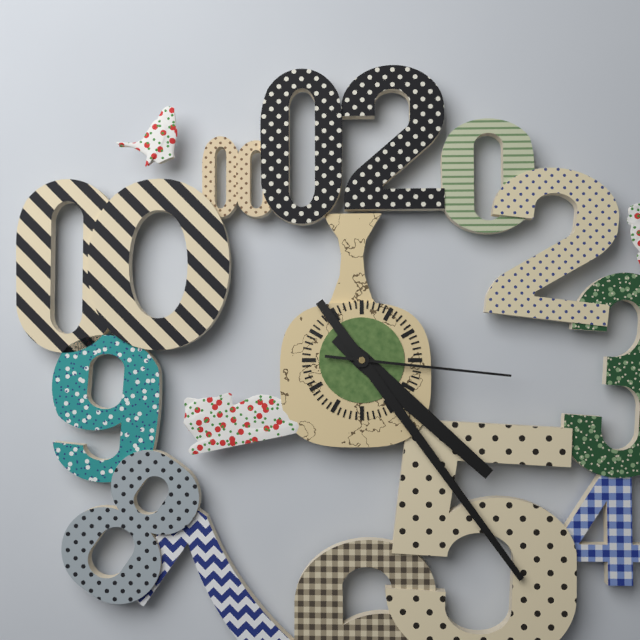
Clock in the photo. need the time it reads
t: 4:24:16
